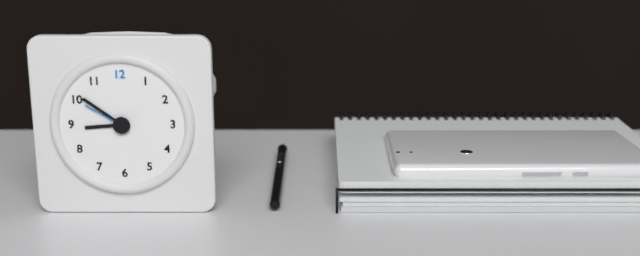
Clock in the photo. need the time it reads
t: 8:51:50
